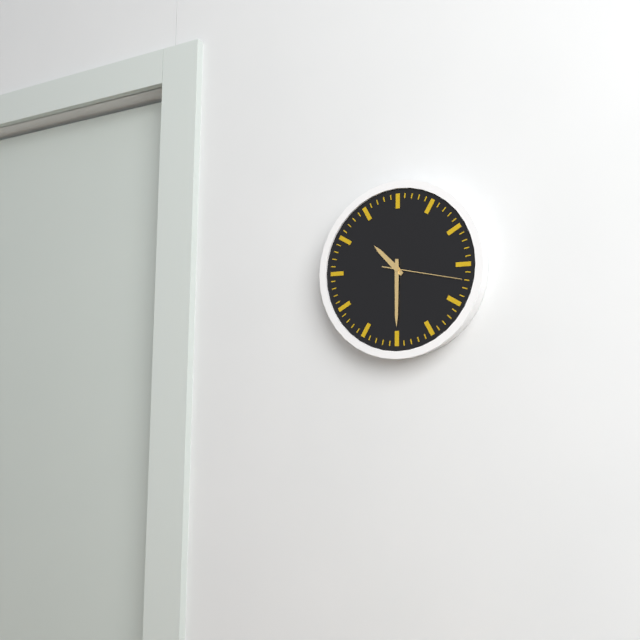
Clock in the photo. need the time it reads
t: 10:30:17
